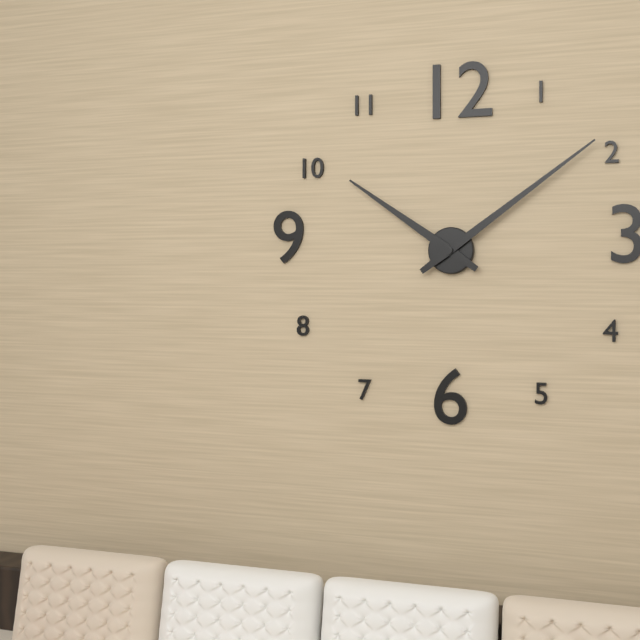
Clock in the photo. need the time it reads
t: 10:09
